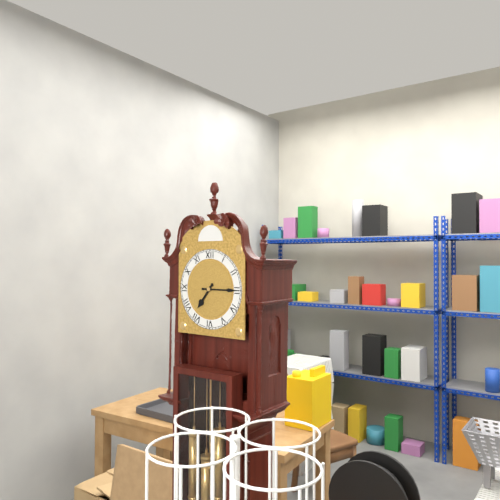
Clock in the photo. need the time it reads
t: 7:15
